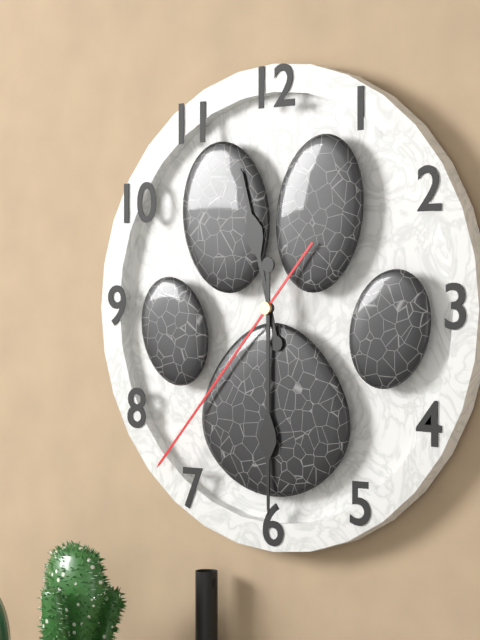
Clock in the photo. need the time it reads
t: 11:30:37
